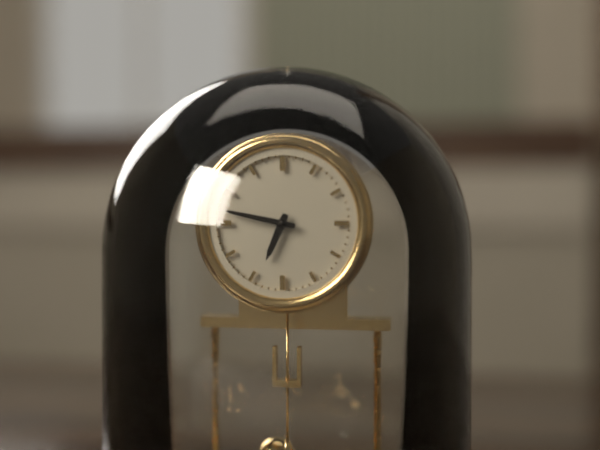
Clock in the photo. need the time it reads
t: 6:47
